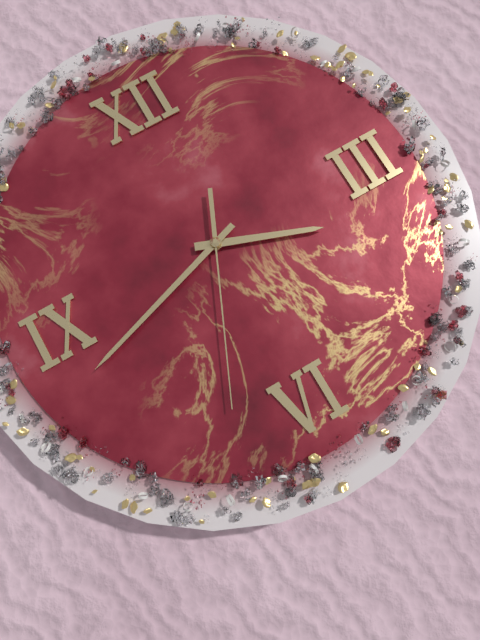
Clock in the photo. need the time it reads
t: 3:42:34
